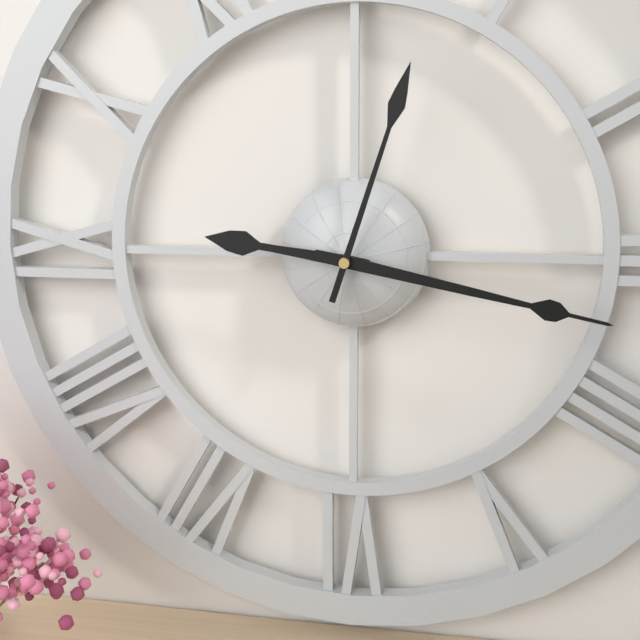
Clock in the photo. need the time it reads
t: 9:17:03
